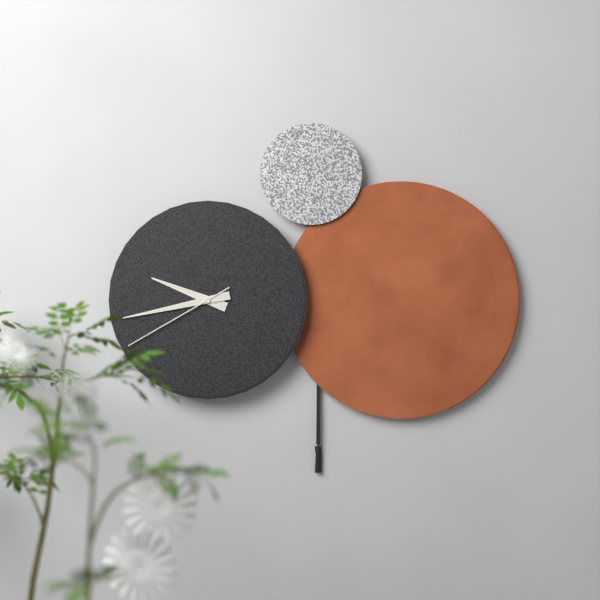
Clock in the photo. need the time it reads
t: 9:43:40
